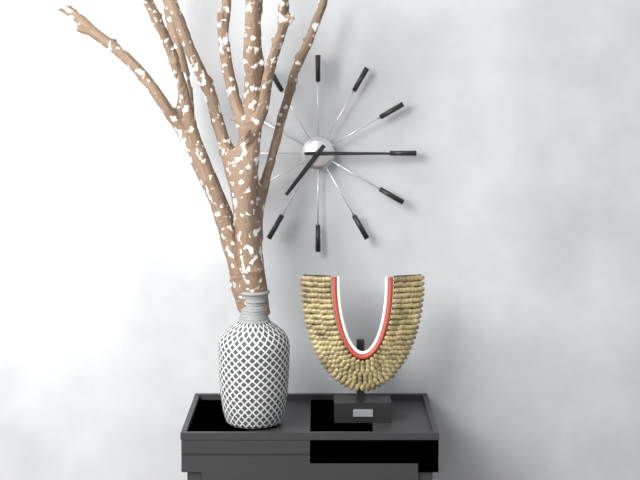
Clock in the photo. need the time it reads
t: 7:15
